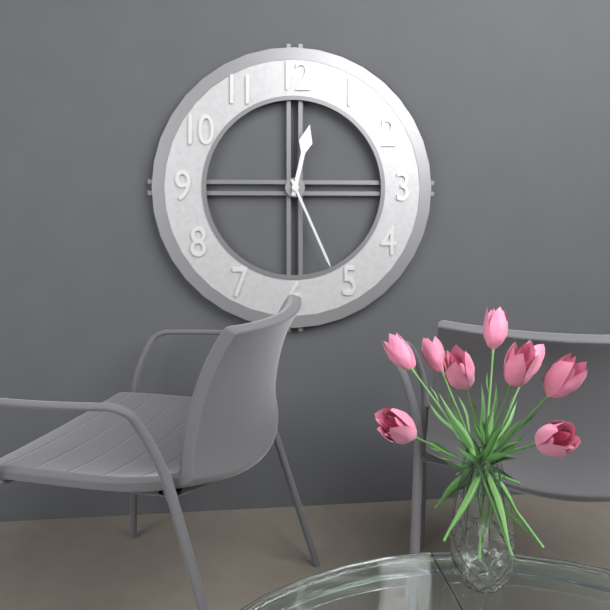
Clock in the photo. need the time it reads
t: 12:26
